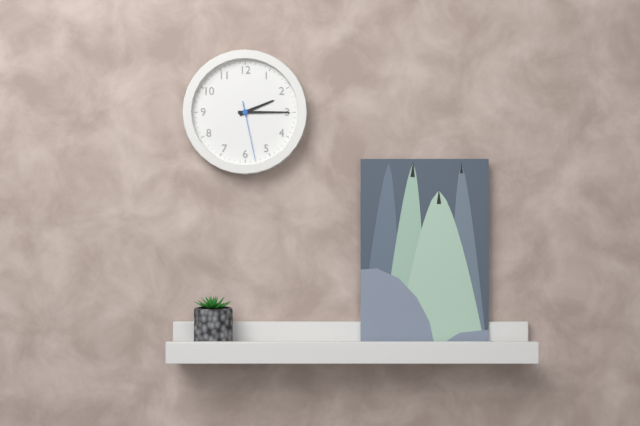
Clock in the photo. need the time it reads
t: 2:15:28
